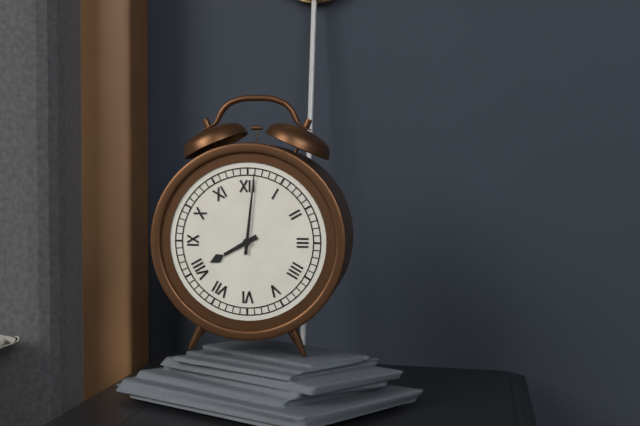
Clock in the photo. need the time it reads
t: 8:01
